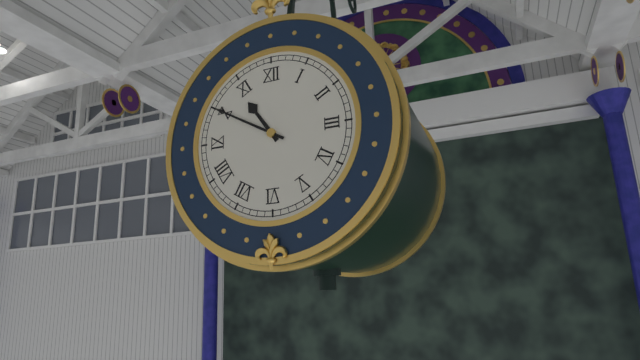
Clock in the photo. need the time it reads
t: 10:50
